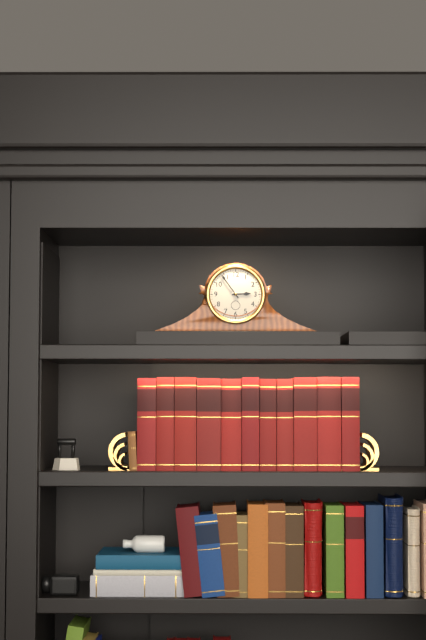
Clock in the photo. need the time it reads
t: 2:54
